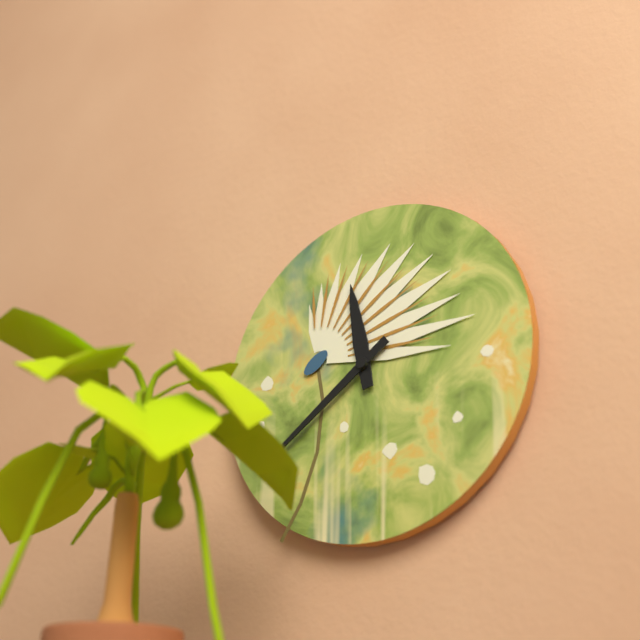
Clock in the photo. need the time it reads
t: 11:39
